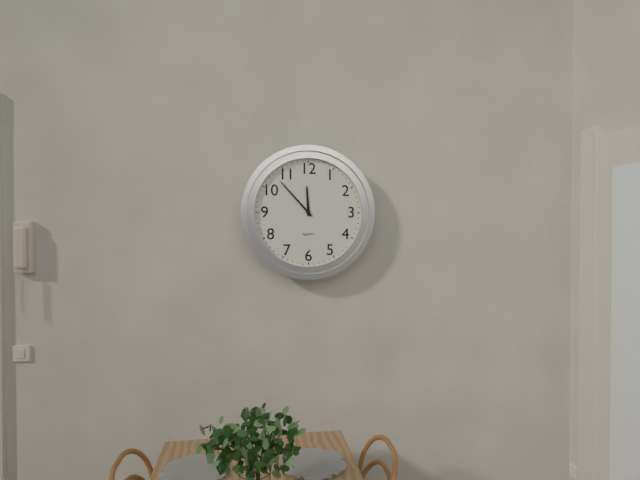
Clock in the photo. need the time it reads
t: 11:53
